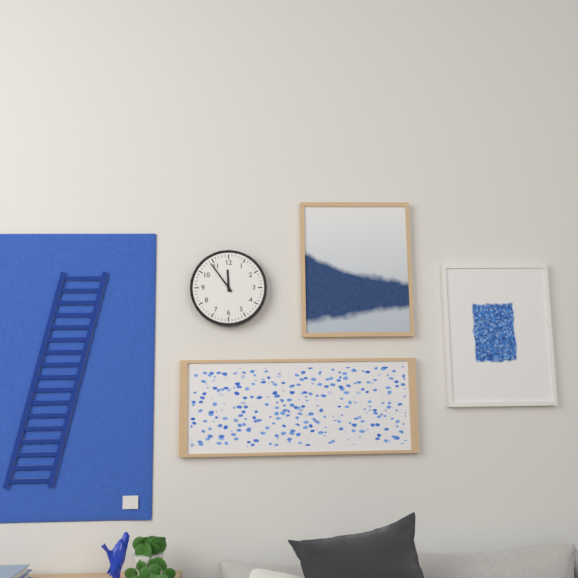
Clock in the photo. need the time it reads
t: 11:54
